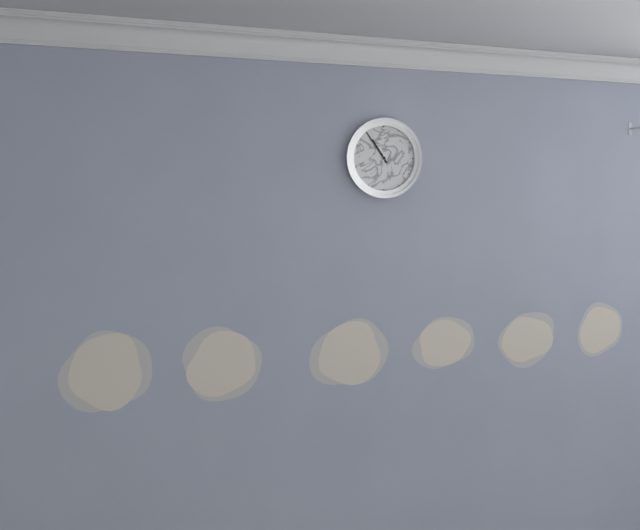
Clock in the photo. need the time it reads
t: 10:54
